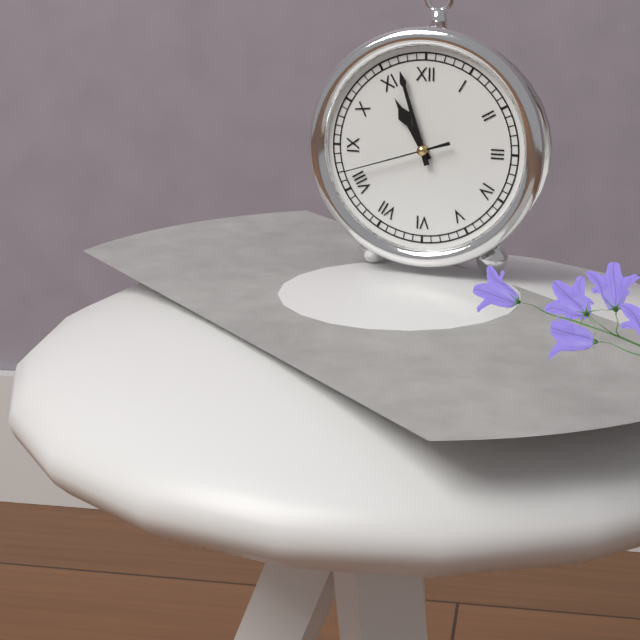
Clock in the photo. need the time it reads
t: 10:57:42
